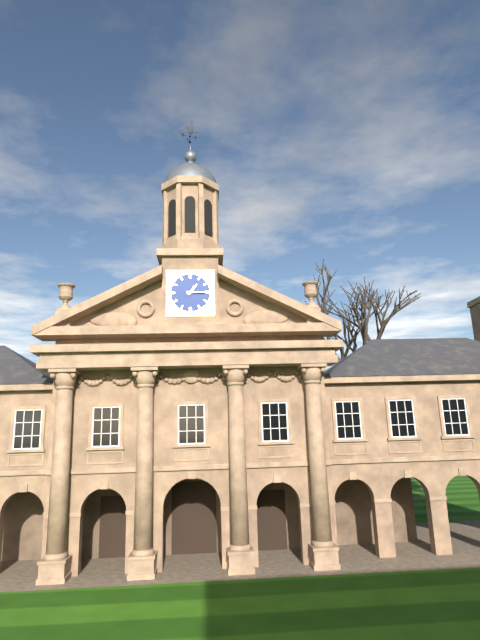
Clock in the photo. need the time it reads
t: 1:15
